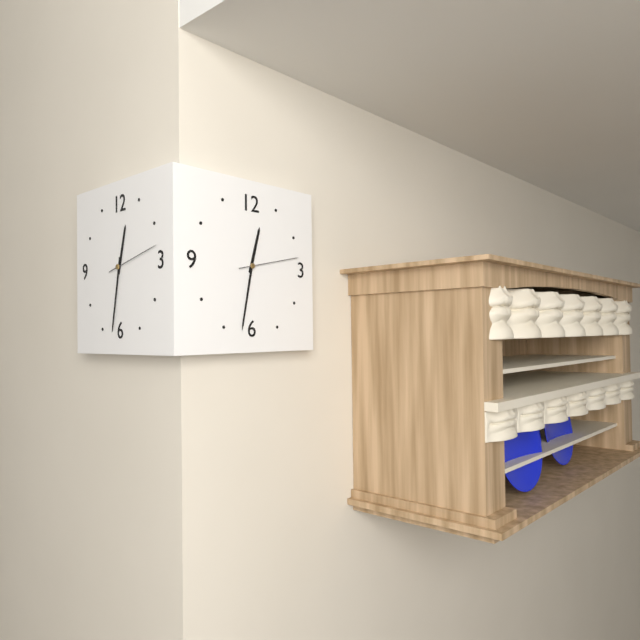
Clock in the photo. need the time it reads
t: 12:32:13
